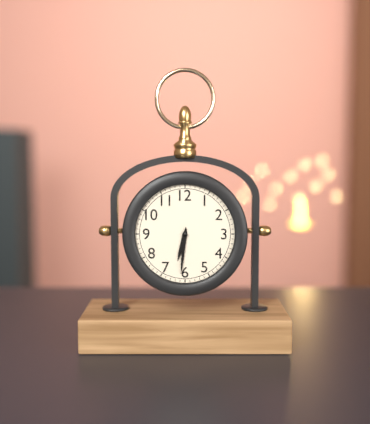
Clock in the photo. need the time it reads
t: 6:31
